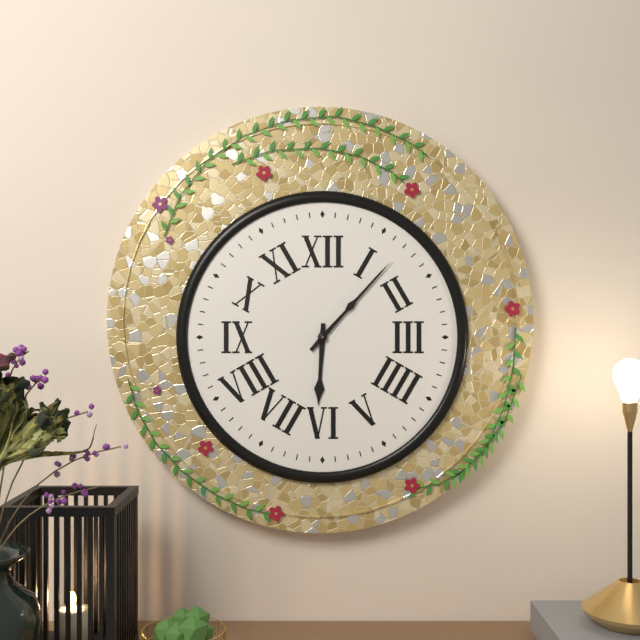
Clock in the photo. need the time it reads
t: 6:07
